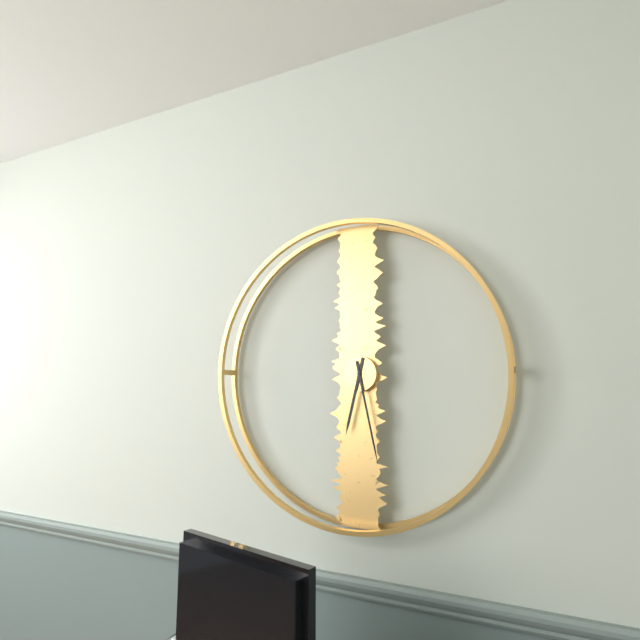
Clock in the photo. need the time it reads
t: 6:28
